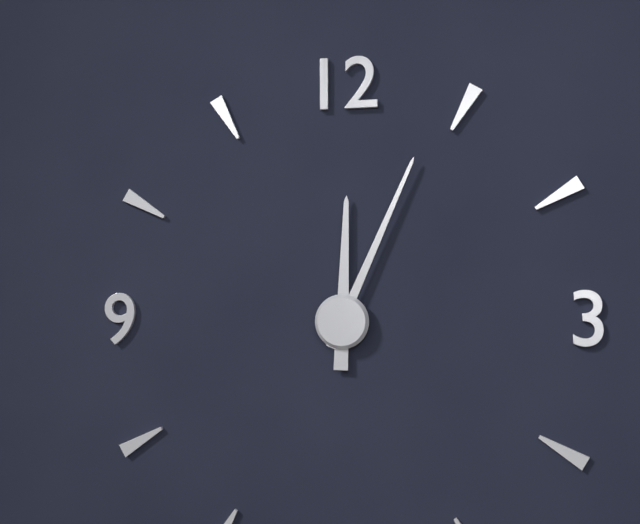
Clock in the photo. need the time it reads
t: 12:04
